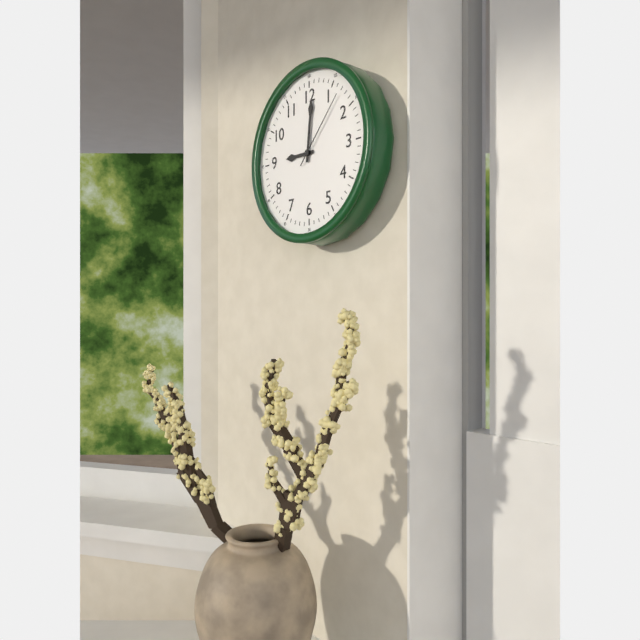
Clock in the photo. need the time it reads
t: 9:01:07
